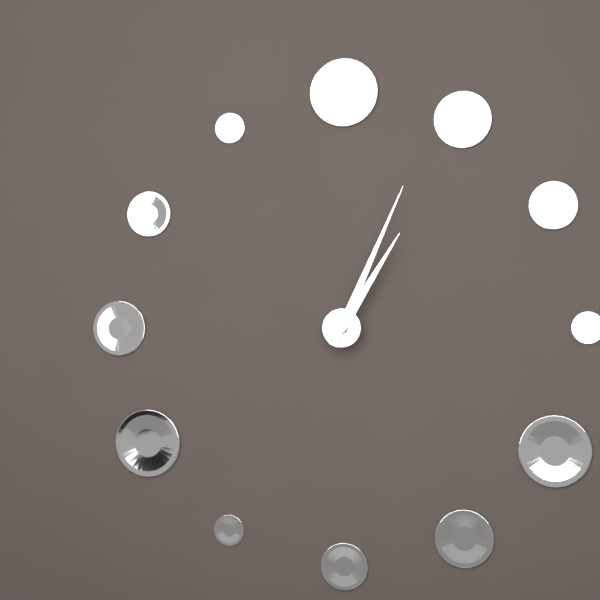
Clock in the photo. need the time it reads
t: 1:04
